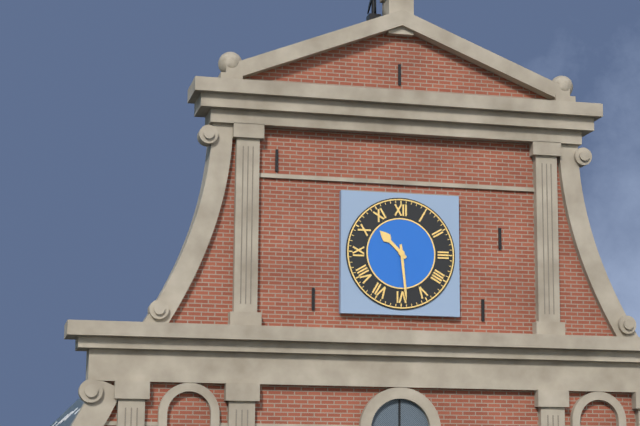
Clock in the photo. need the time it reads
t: 10:29
